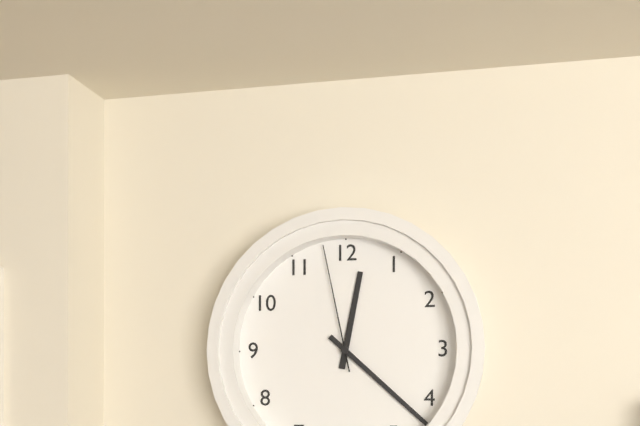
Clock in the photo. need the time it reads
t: 12:22:58
